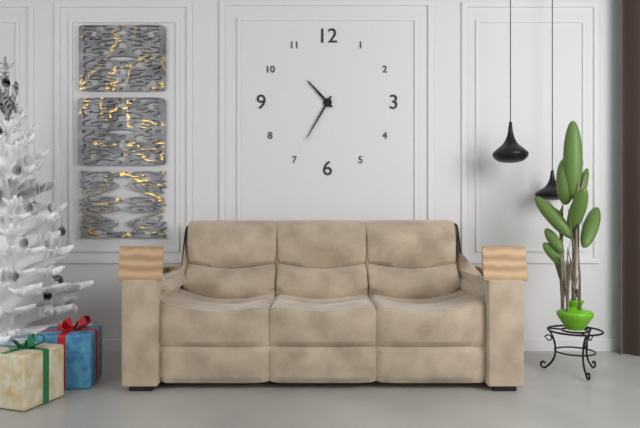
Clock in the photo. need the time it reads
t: 10:35
